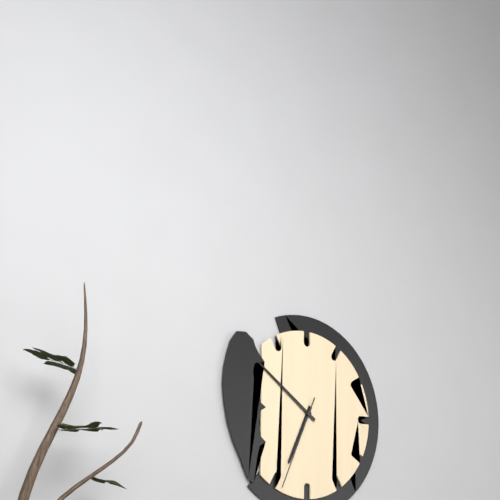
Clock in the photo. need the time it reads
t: 6:51:34
